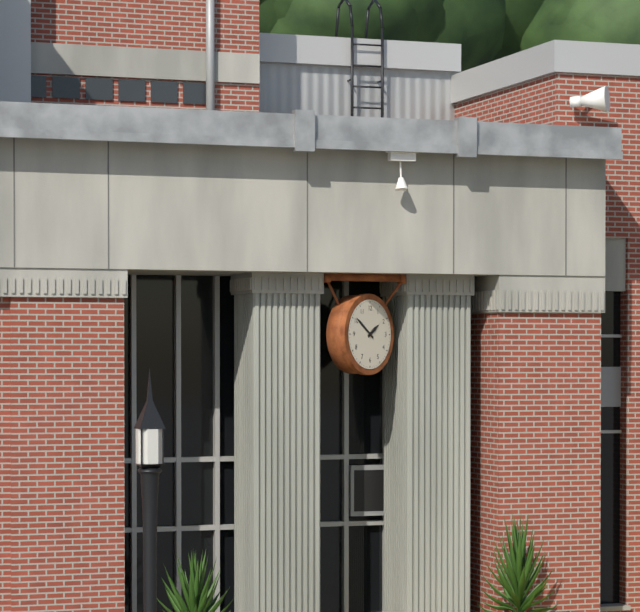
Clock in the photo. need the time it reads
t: 1:51
